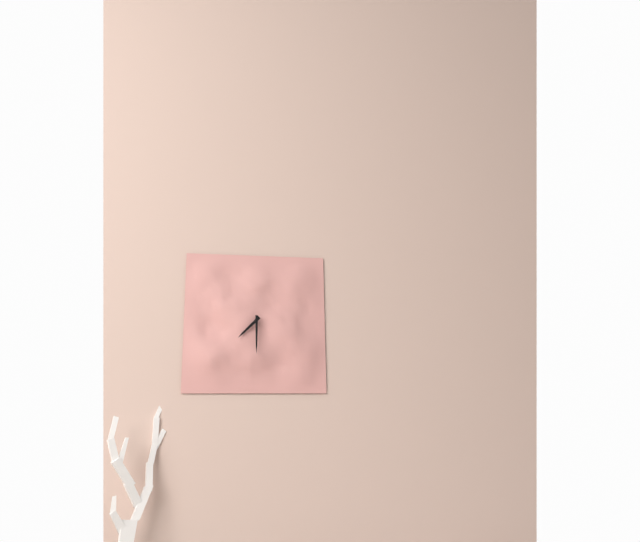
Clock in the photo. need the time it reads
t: 7:30
